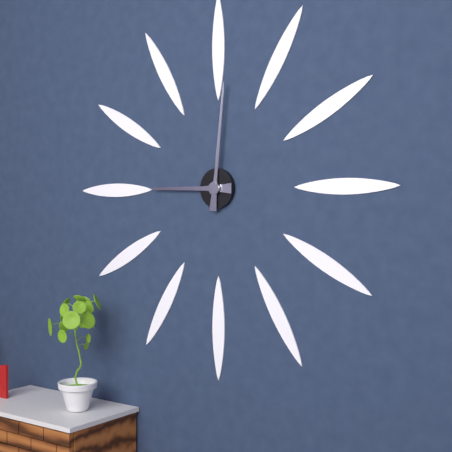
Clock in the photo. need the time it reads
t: 9:01
